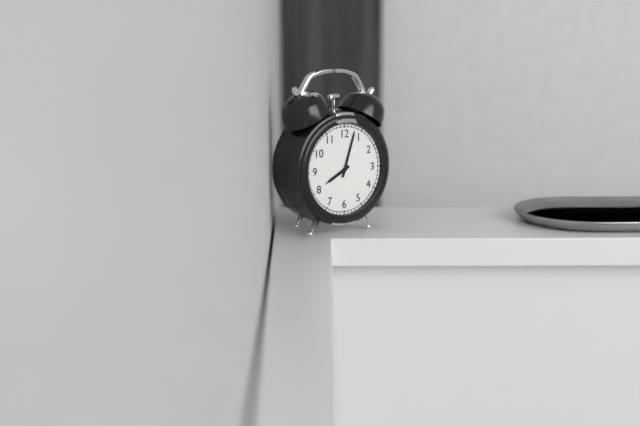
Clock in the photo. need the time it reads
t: 8:03
